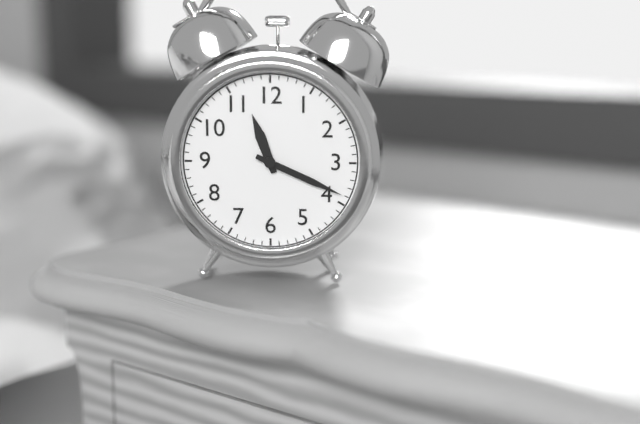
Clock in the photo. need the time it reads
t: 11:19
